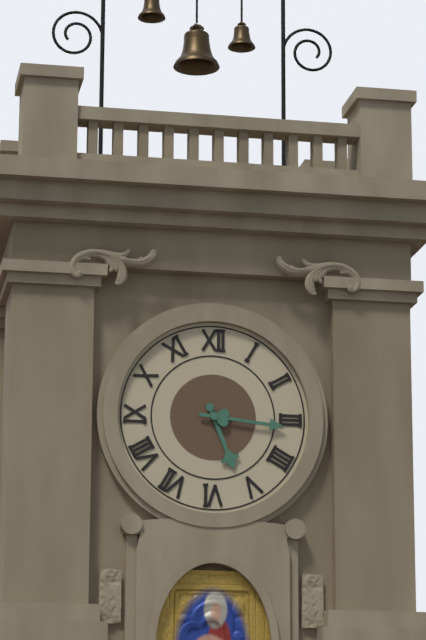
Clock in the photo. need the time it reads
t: 5:16
